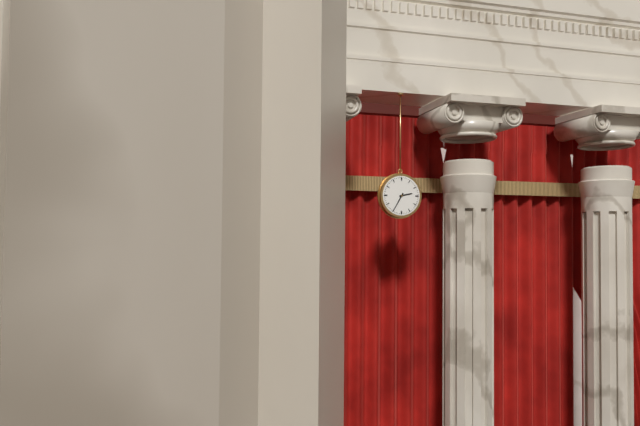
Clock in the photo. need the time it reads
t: 2:35
